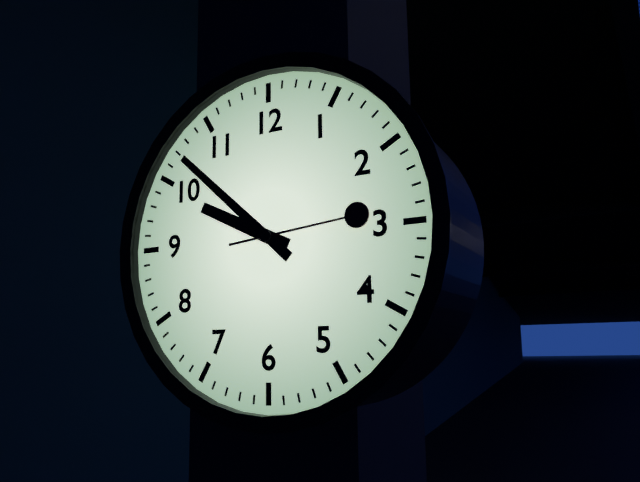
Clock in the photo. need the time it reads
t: 9:52:14
